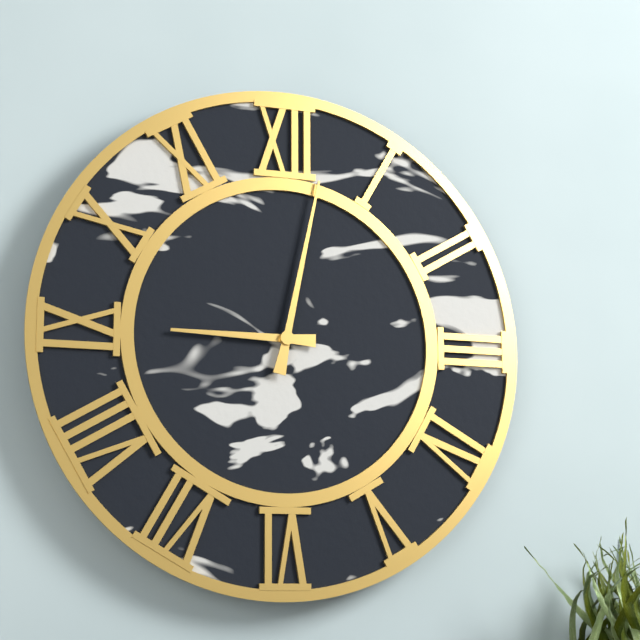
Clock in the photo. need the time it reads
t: 9:02
